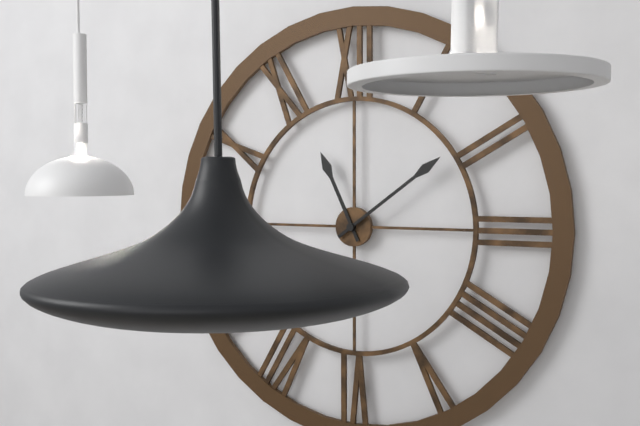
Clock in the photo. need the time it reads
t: 11:09
